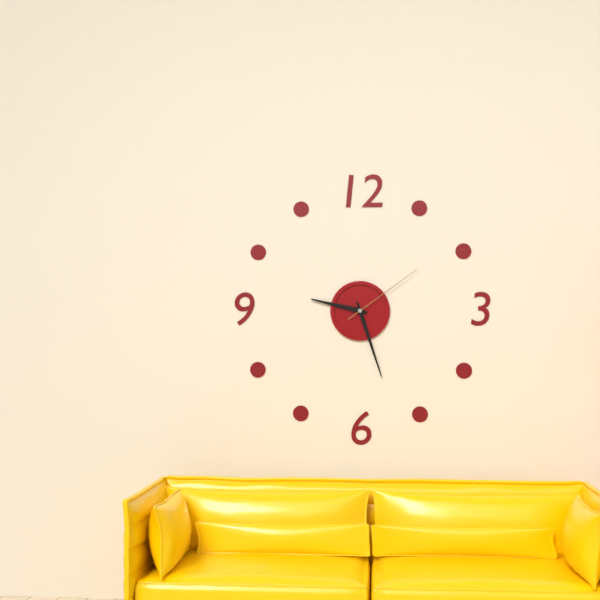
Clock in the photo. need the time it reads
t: 9:27:09
